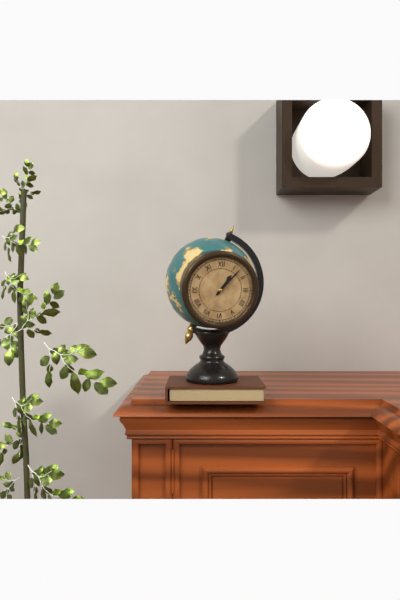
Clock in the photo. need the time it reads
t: 1:07
